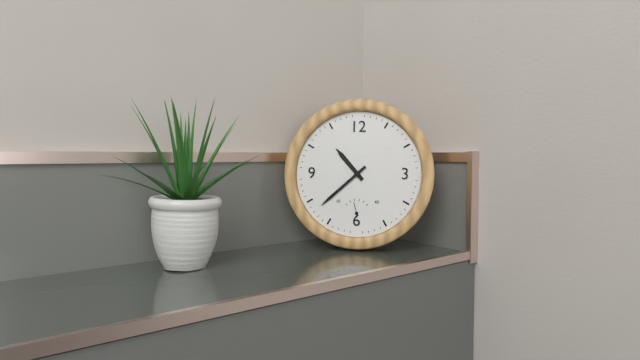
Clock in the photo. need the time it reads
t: 10:38
